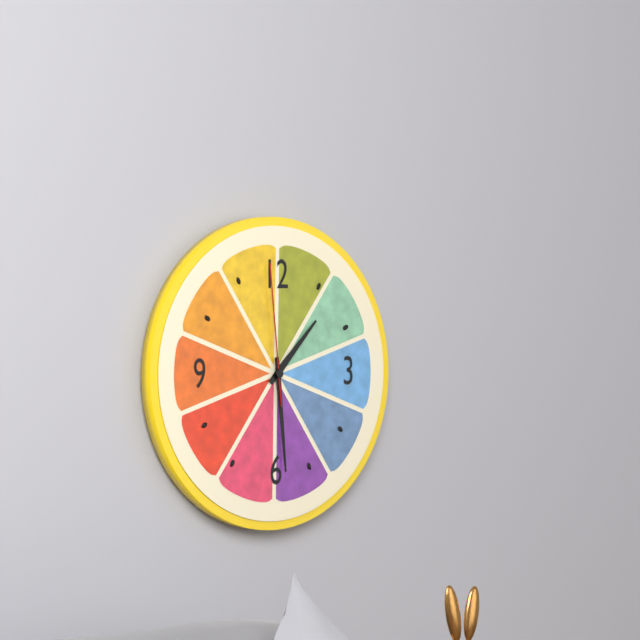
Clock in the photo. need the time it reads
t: 1:29:59
